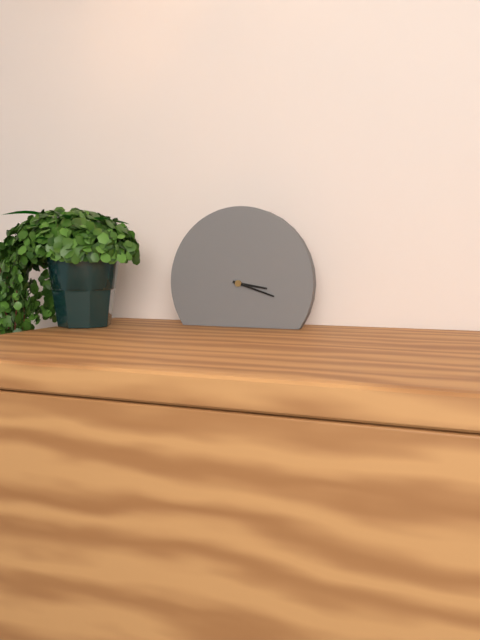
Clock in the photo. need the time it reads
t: 3:18
